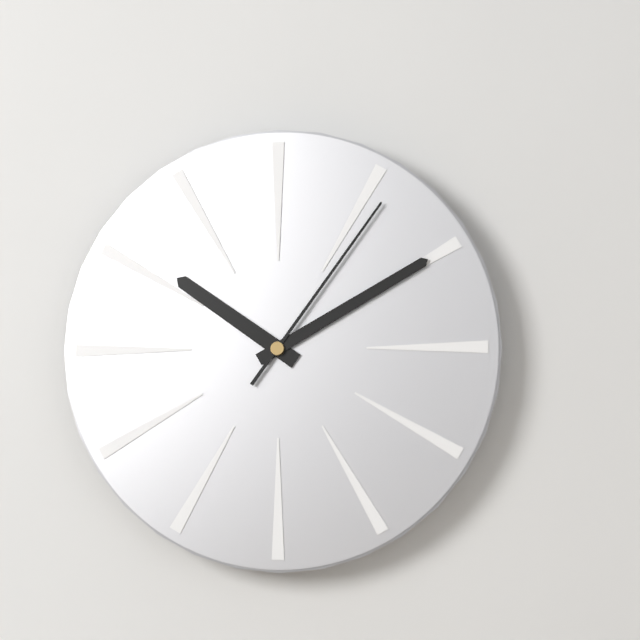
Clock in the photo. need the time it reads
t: 10:10:06
